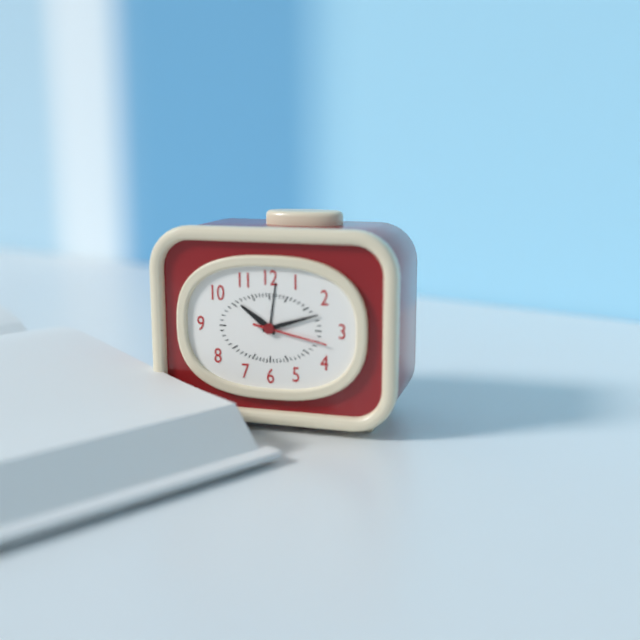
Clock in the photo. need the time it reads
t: 10:12:17
